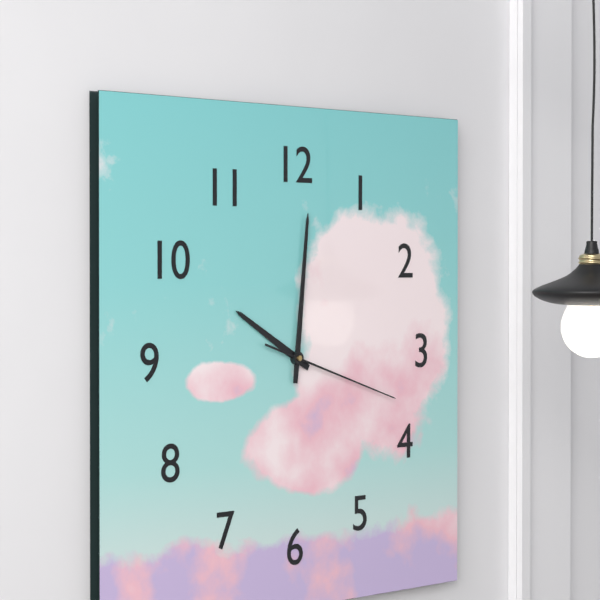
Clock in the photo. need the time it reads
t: 10:01:18
